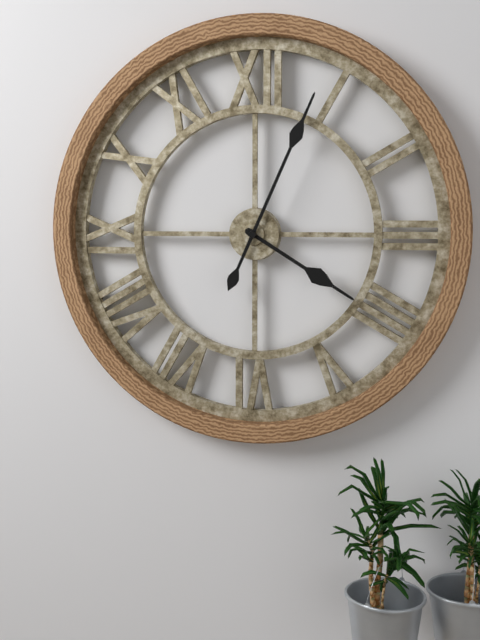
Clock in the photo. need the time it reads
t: 4:04
